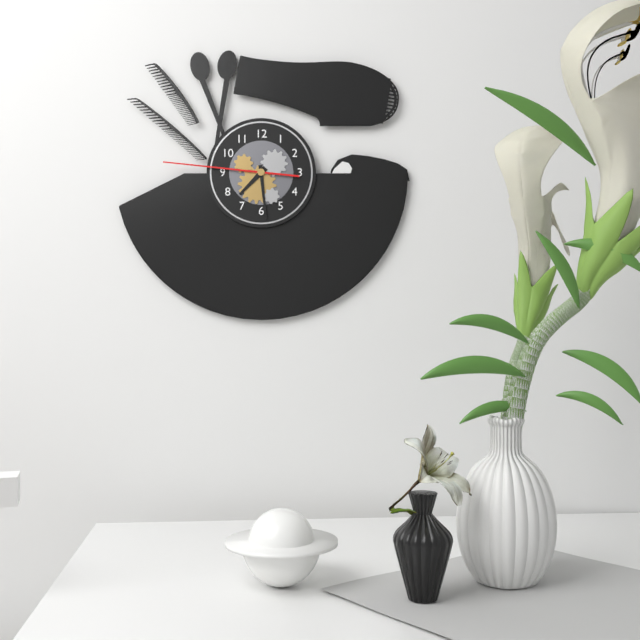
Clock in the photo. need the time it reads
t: 7:29:46
